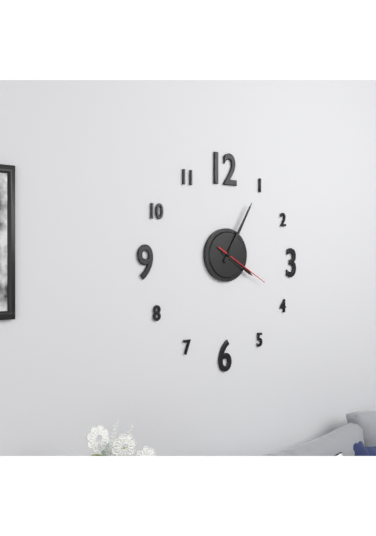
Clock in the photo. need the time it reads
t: 4:05:20
